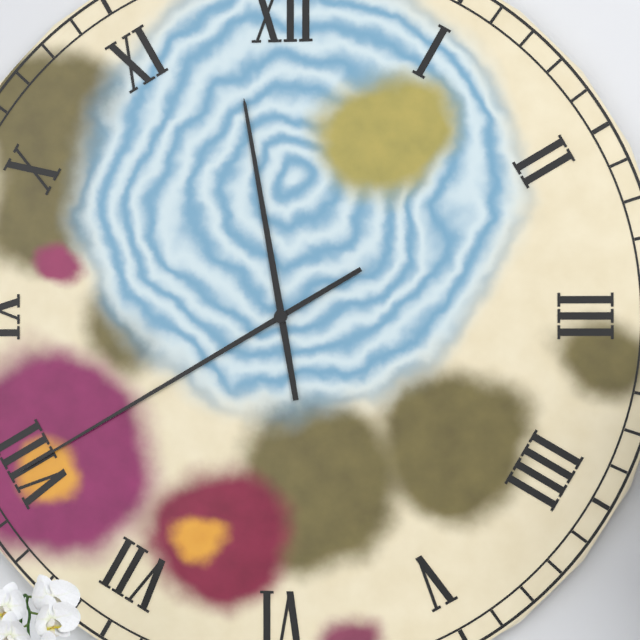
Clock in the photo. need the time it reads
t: 11:40
